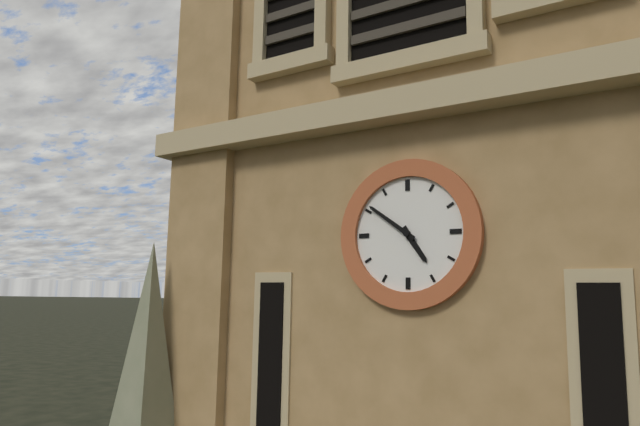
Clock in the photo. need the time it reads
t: 4:51
